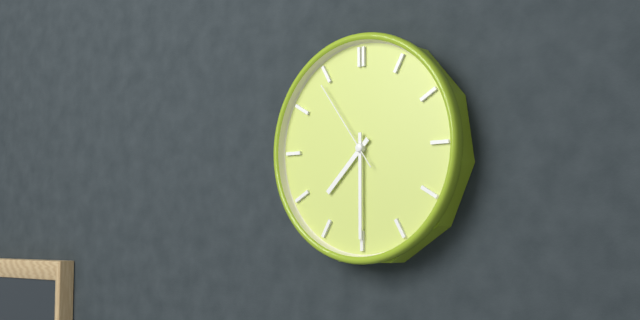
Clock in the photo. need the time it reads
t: 7:30:54
